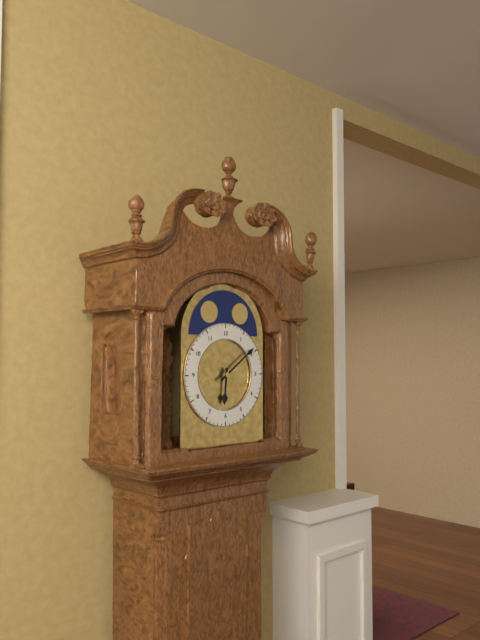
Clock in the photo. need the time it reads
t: 6:09
